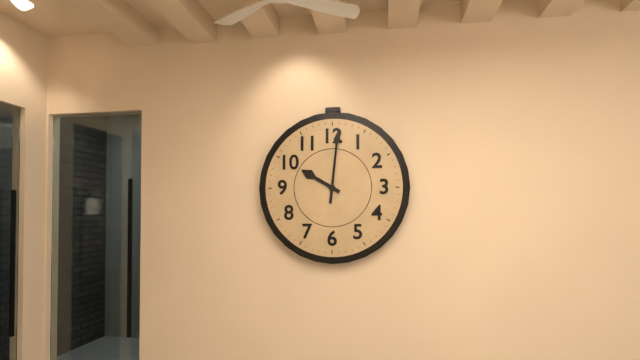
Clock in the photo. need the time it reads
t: 10:01
